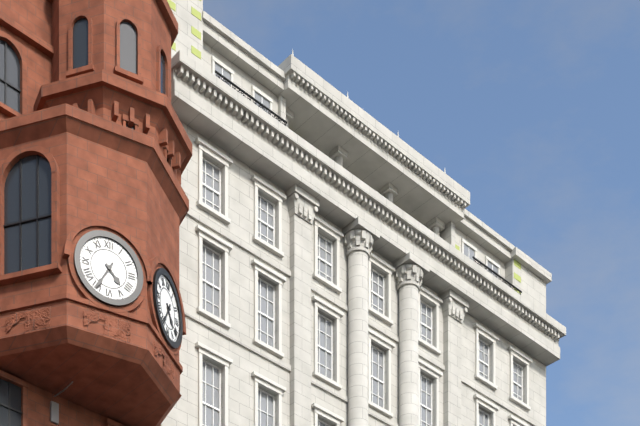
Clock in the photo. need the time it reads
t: 4:35
